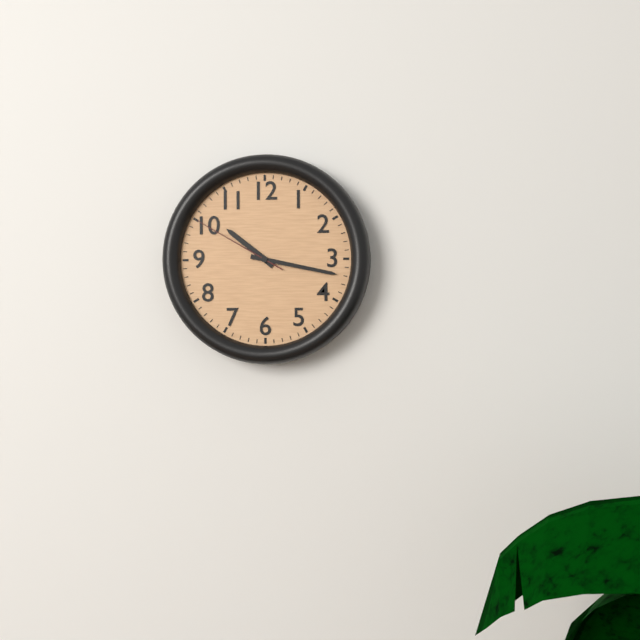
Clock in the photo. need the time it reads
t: 10:17:50
